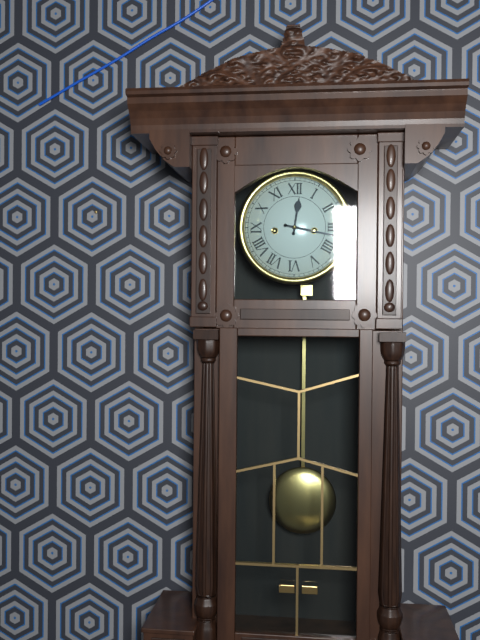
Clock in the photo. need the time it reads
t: 12:17
